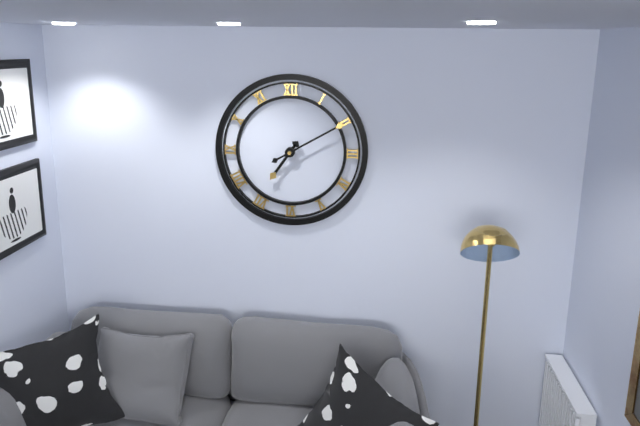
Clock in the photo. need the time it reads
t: 7:10
